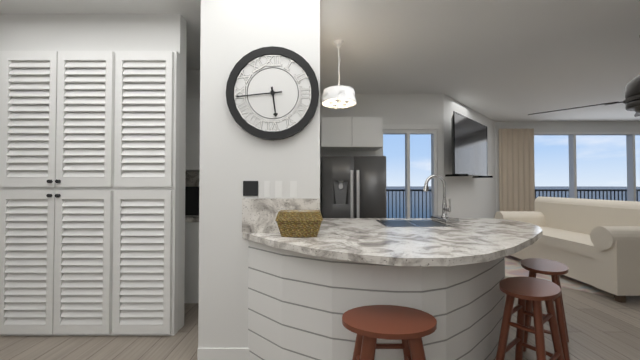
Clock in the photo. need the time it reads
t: 5:44
